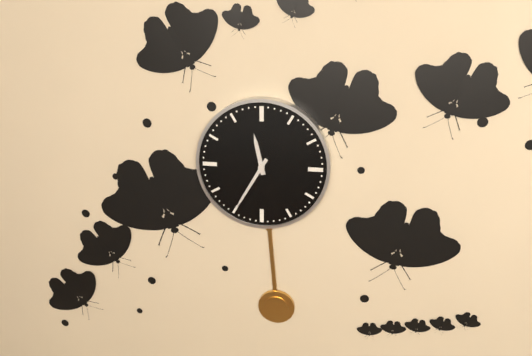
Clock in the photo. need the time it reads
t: 11:35
